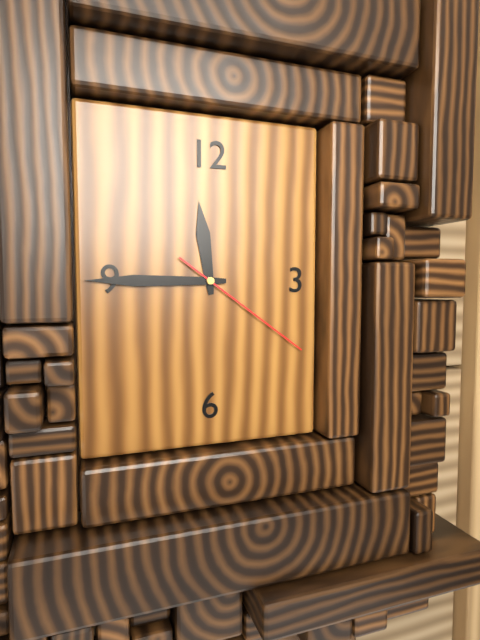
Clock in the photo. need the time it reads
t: 11:45:21
